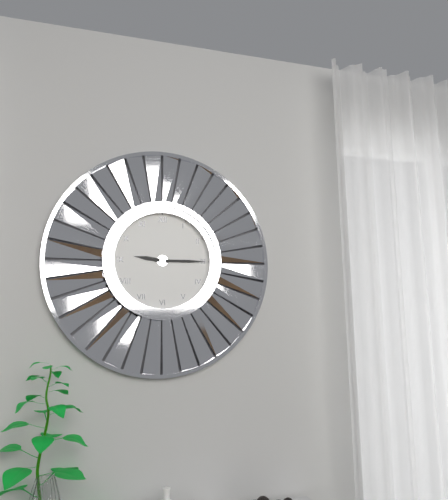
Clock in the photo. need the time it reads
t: 9:15
